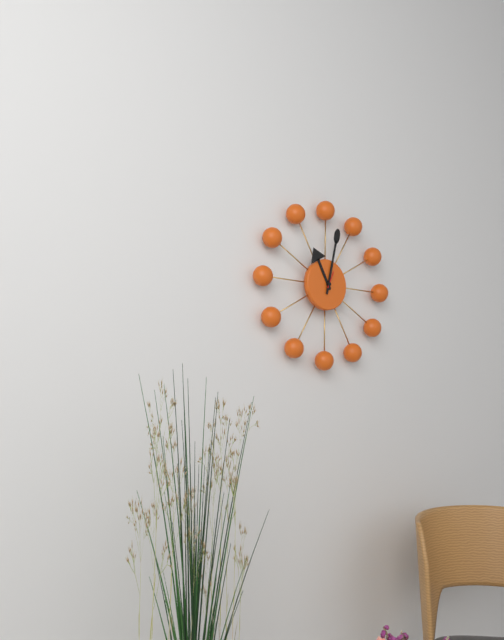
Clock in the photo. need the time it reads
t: 11:02
